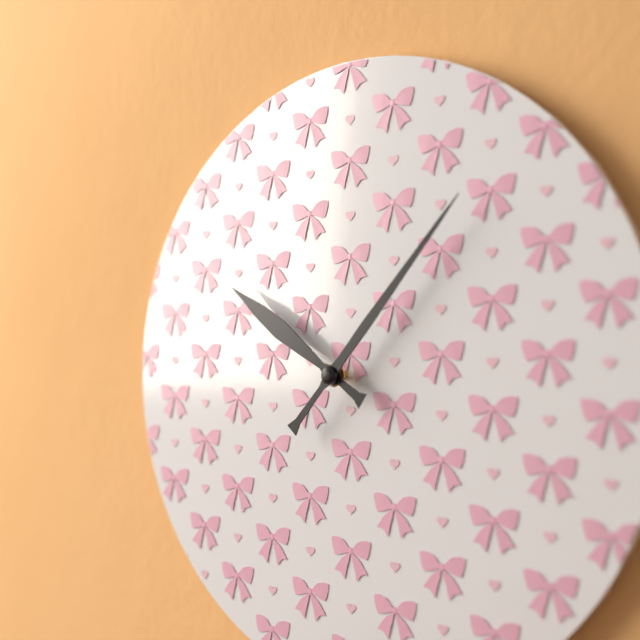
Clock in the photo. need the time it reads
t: 10:07
